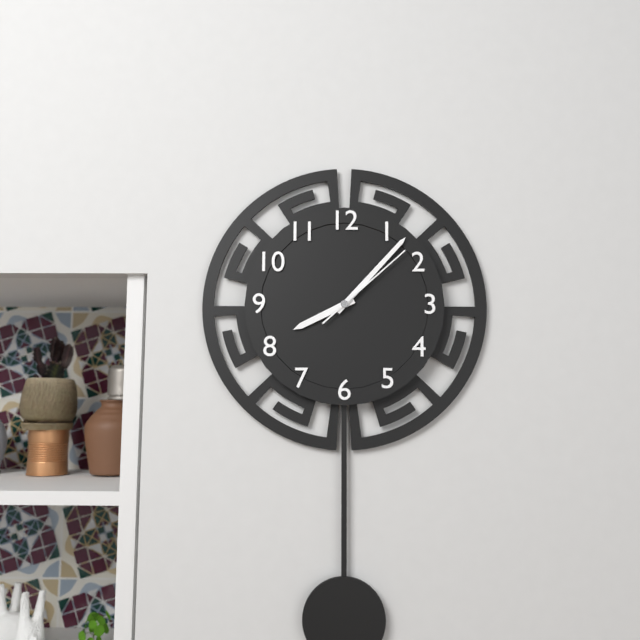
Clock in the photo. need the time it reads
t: 8:07:08
